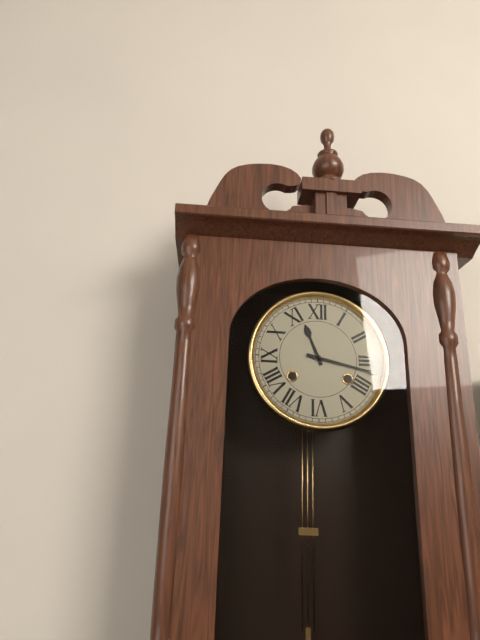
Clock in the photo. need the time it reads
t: 11:17
